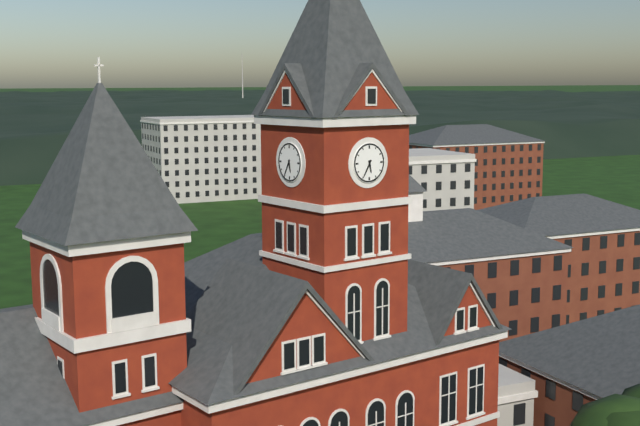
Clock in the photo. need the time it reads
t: 5:35
